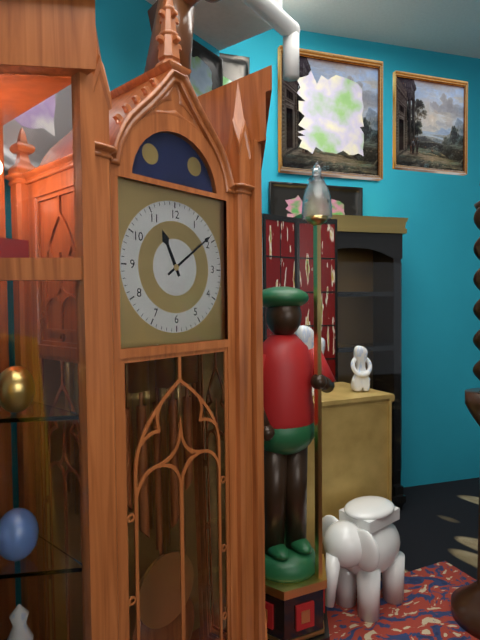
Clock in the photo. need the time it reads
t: 11:09
